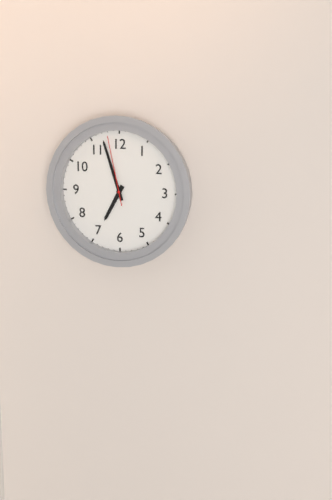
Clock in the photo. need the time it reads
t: 6:57:58
